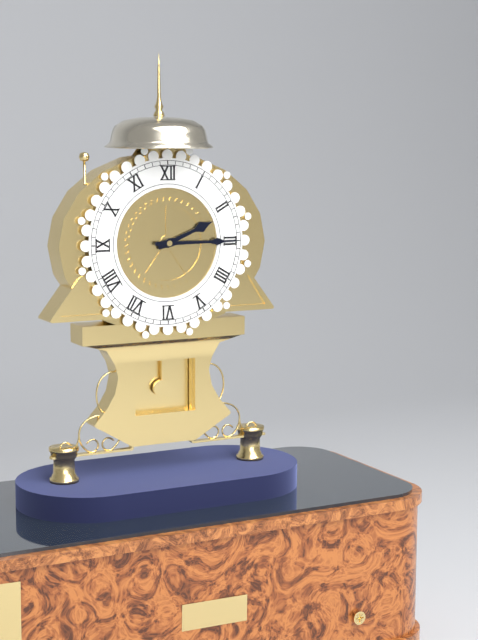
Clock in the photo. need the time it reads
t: 2:15
